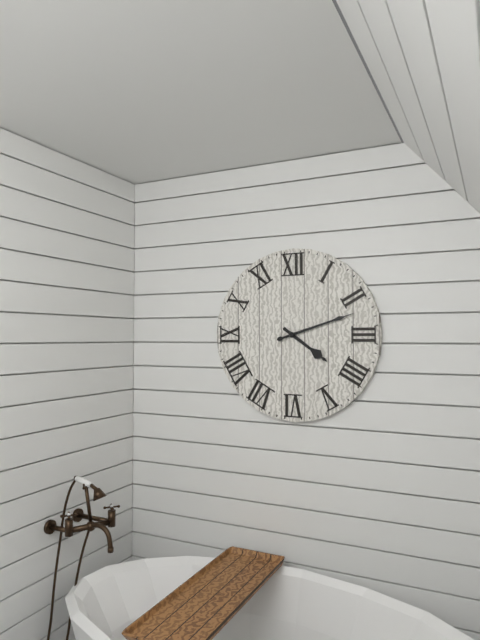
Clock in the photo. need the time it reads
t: 4:12
